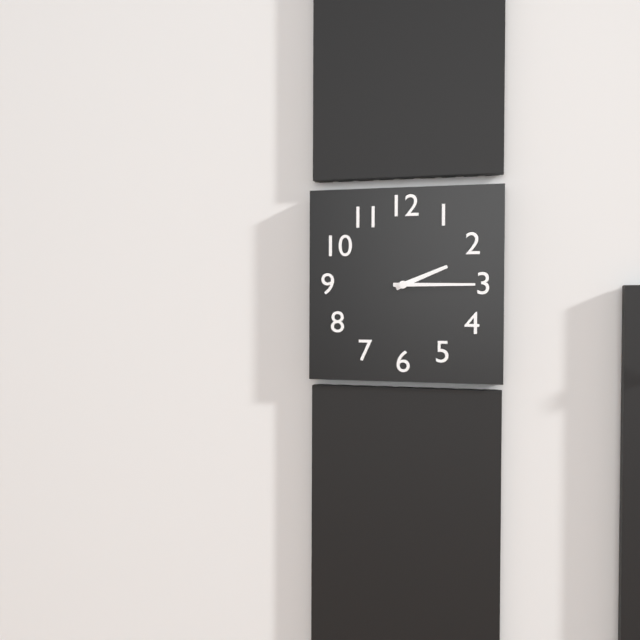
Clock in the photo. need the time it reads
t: 2:15
